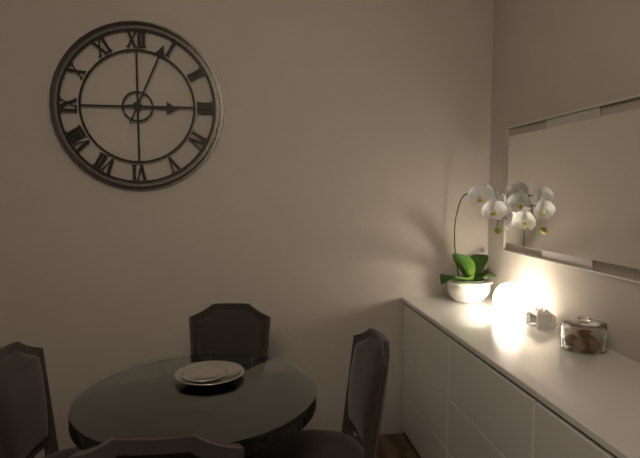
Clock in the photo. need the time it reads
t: 3:04
